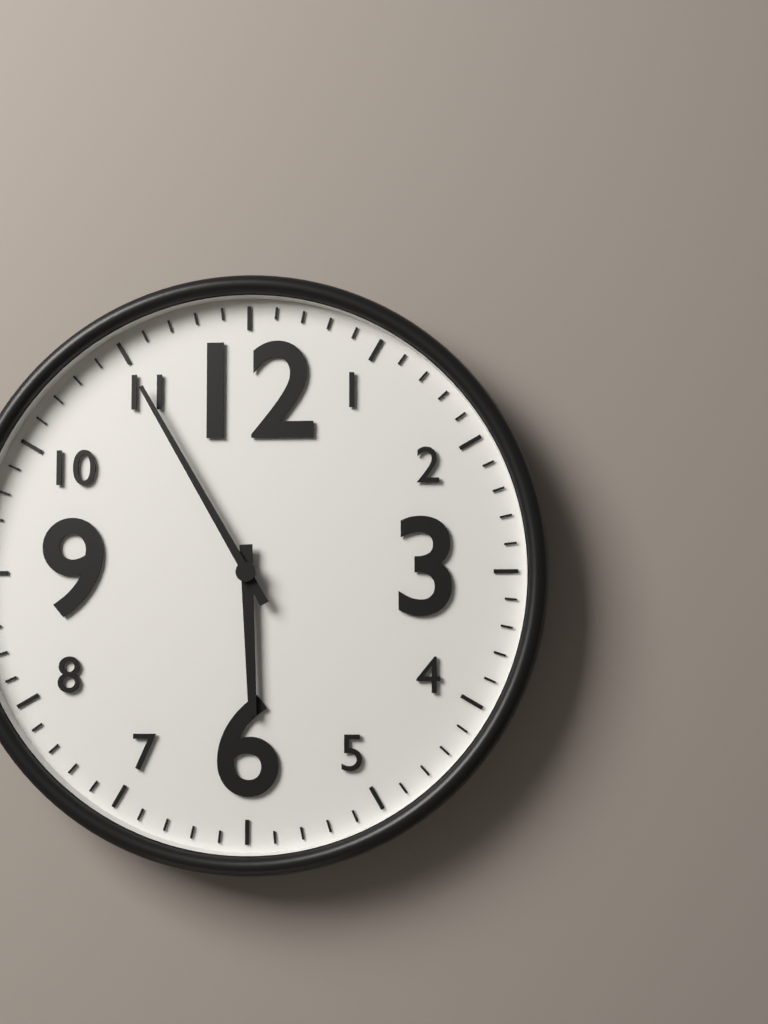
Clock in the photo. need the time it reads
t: 5:55
